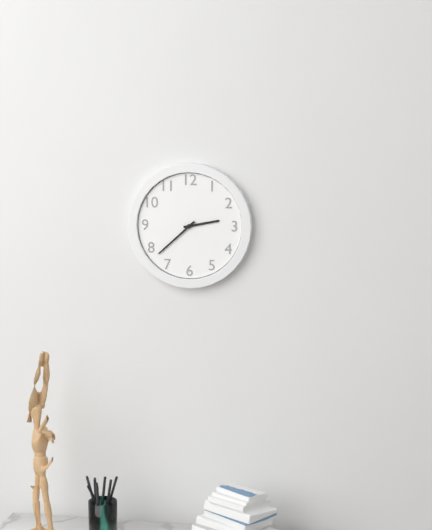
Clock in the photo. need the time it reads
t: 2:38
